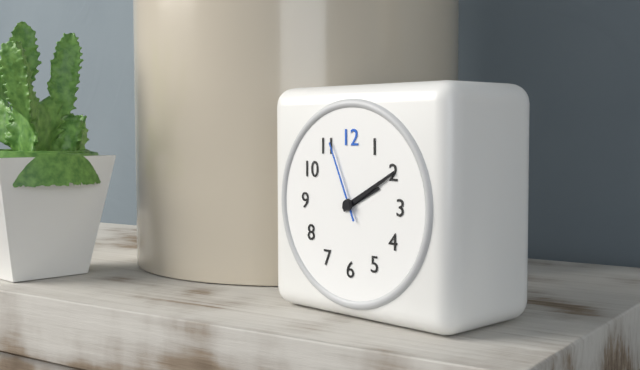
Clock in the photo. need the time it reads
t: 2:10:56
